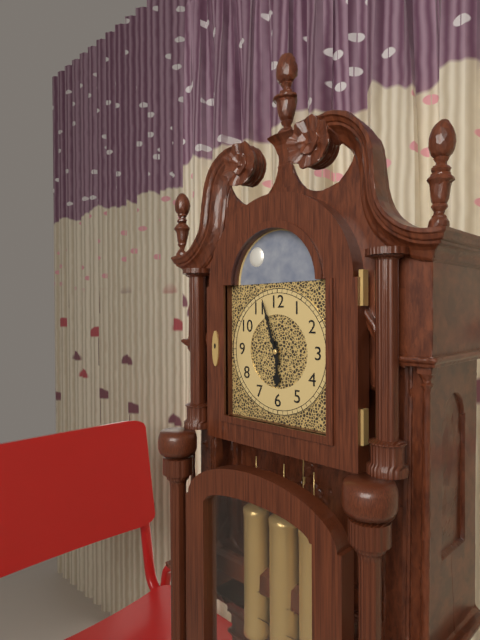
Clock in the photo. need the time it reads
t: 5:57
